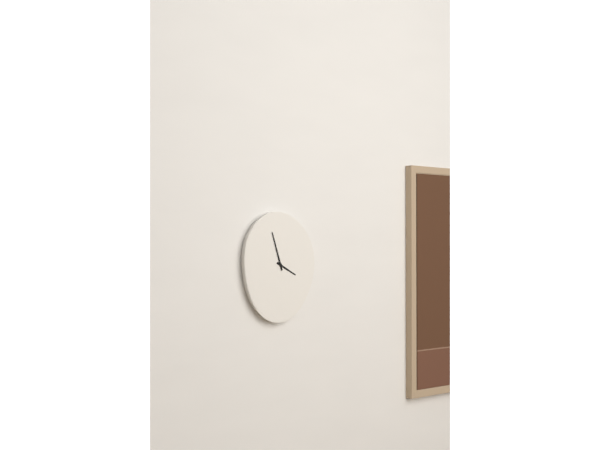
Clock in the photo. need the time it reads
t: 3:57
